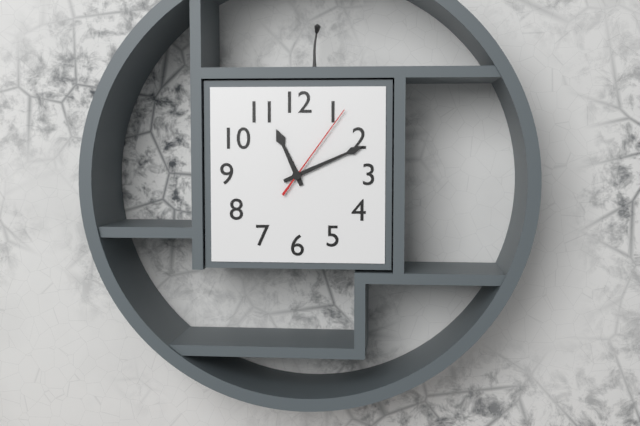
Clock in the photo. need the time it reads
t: 11:11:06
